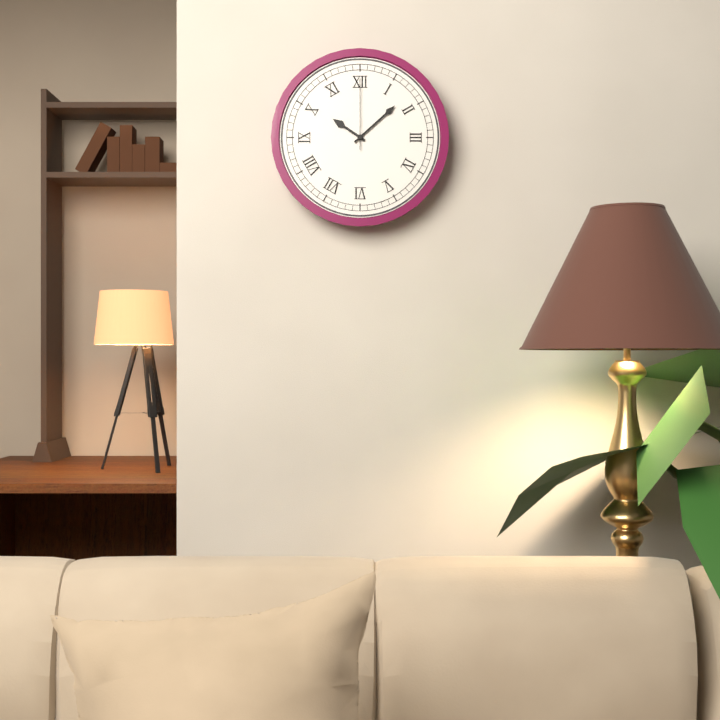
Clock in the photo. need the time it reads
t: 10:08:00
